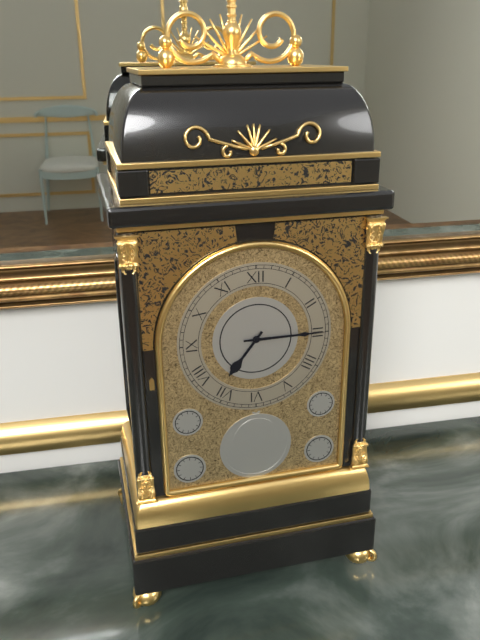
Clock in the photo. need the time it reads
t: 7:15
